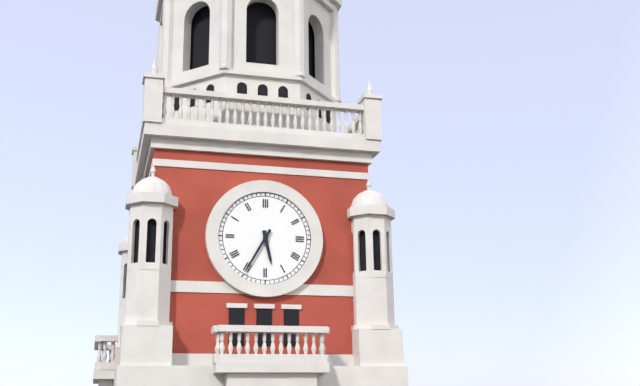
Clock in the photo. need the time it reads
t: 5:35
